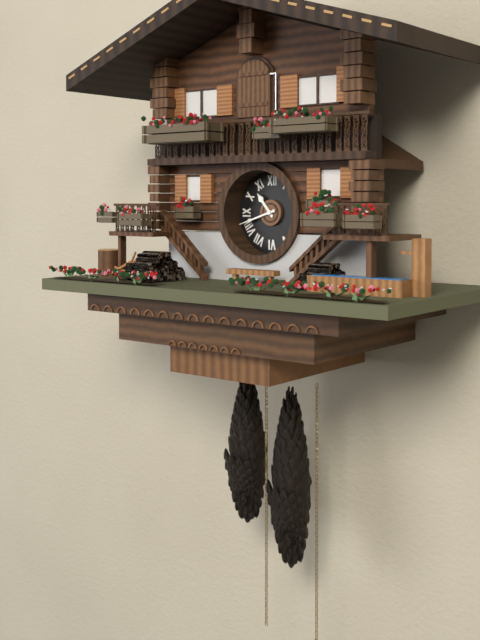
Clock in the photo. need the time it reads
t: 10:42
